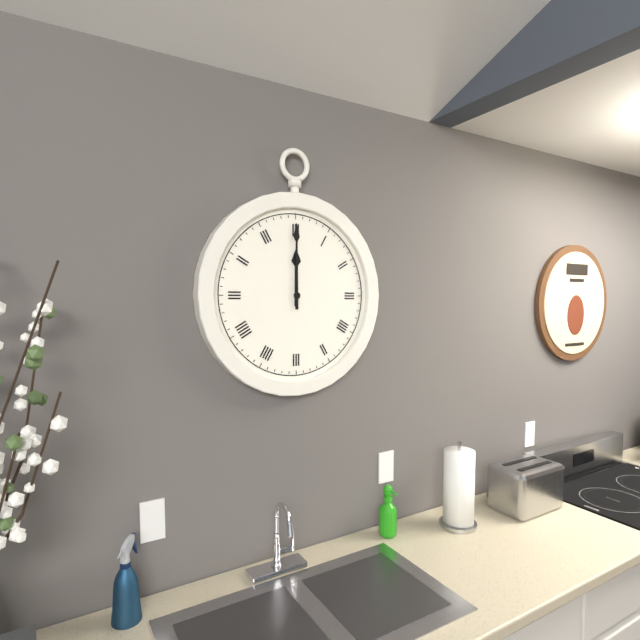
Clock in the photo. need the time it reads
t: 12:00
